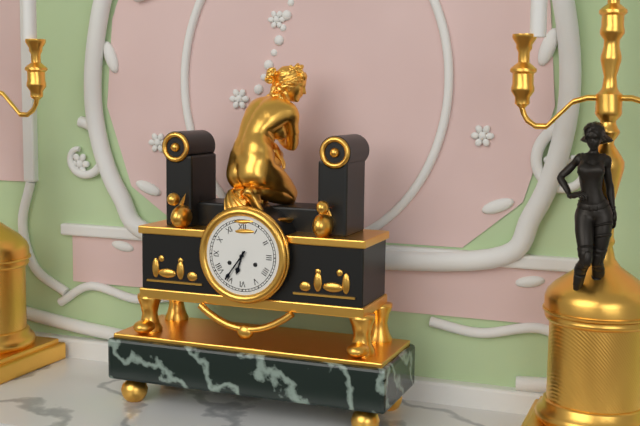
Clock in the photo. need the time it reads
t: 6:36
